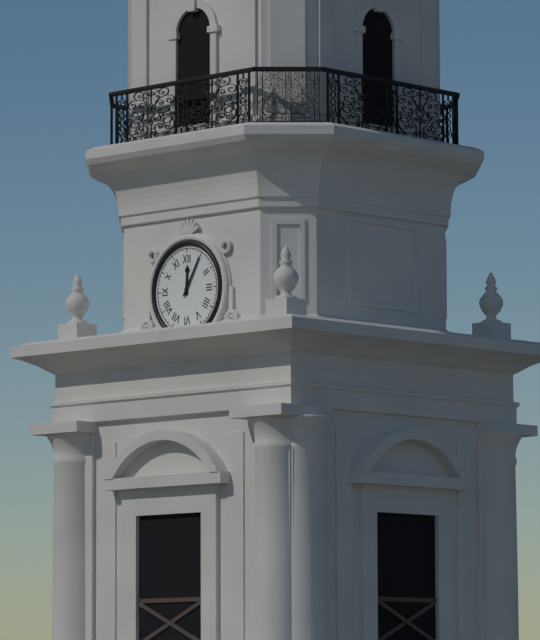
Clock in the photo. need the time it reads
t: 12:05
